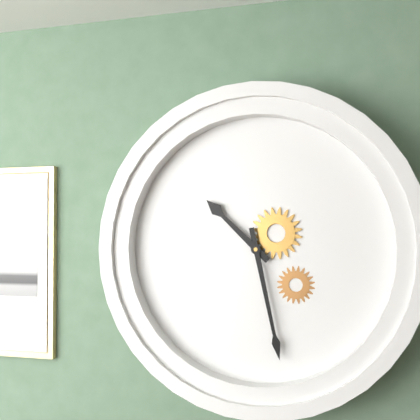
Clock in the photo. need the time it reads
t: 10:28
